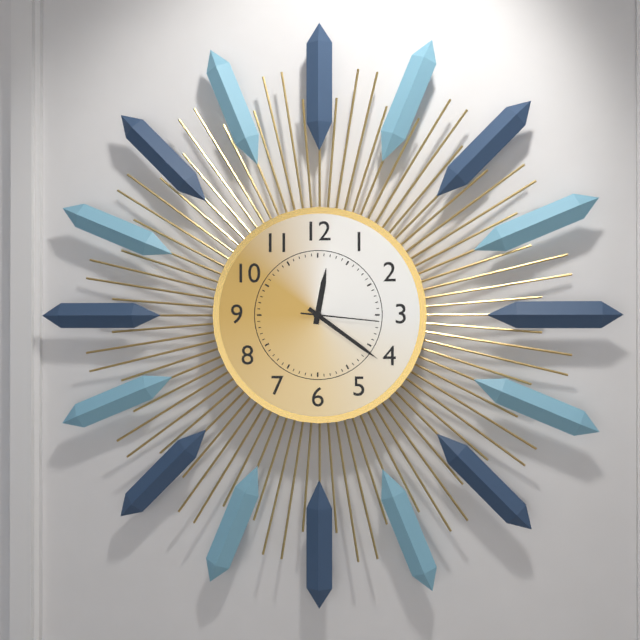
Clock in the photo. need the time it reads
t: 12:21:16
